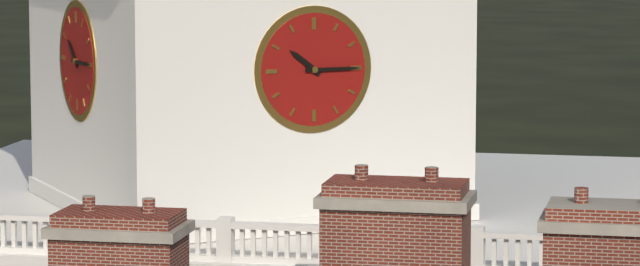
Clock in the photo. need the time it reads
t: 10:15
